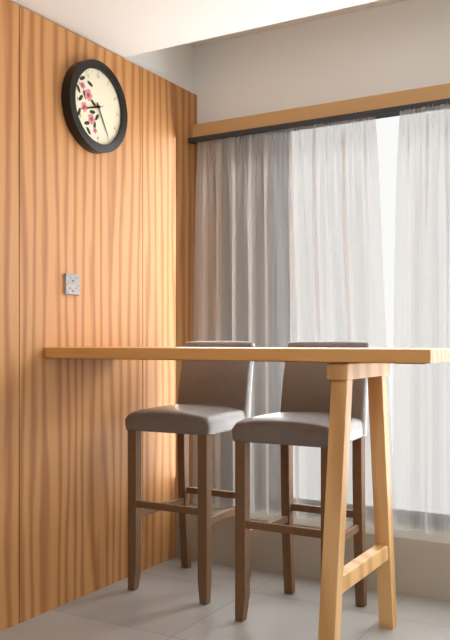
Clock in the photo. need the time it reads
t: 8:25
